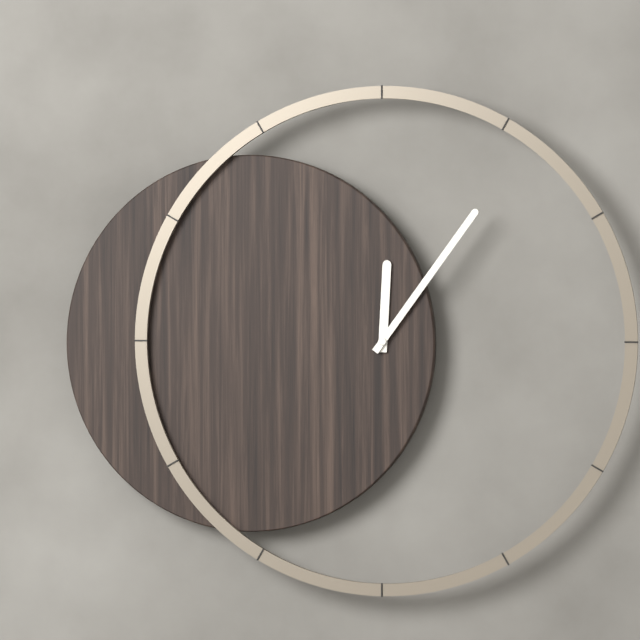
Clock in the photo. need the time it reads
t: 12:06
